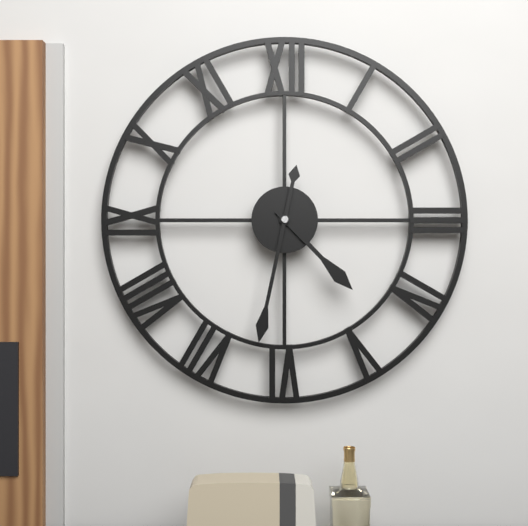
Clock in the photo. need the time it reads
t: 4:32
